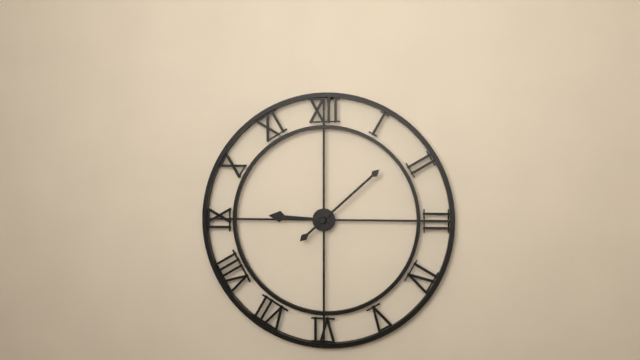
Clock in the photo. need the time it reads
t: 9:08
